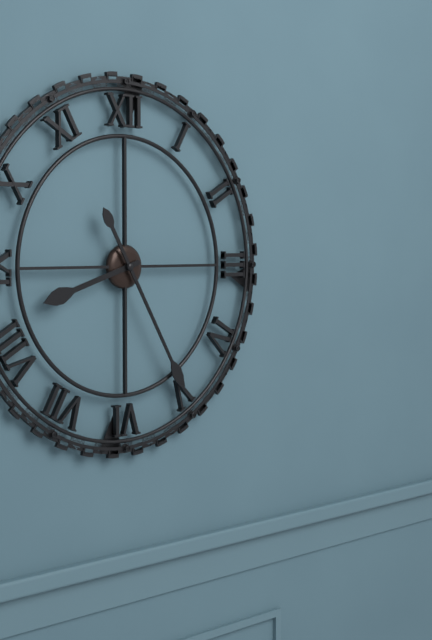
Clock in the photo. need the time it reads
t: 8:25
